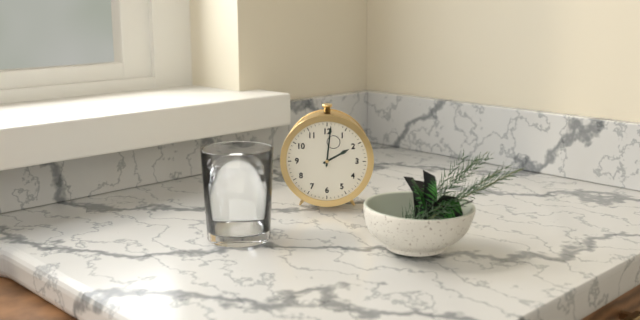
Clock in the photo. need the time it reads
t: 2:01
